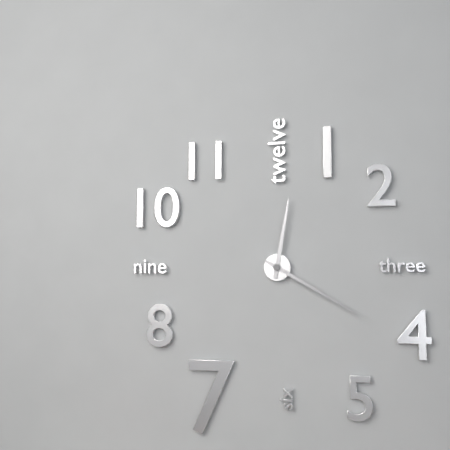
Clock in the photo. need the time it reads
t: 12:20
